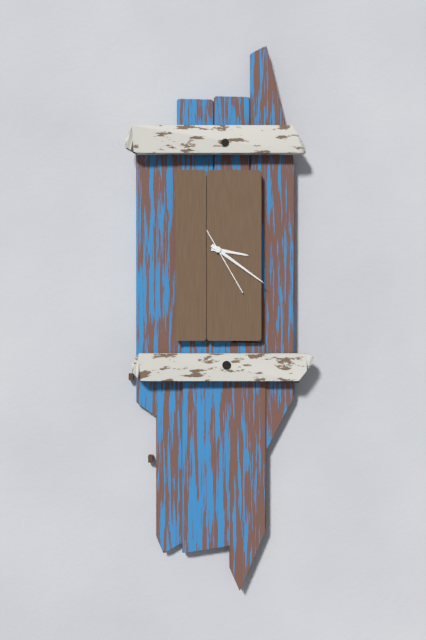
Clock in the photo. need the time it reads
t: 3:21:25
